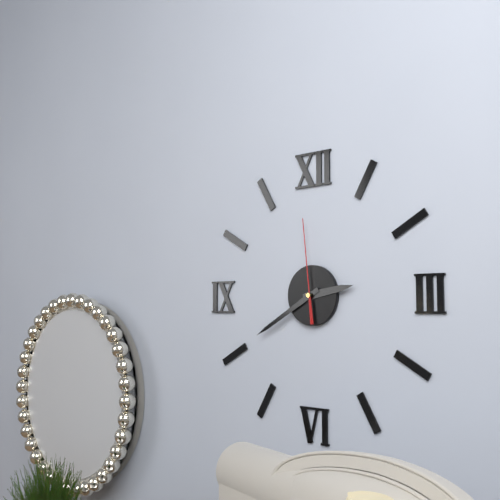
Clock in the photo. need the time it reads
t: 2:40:59
